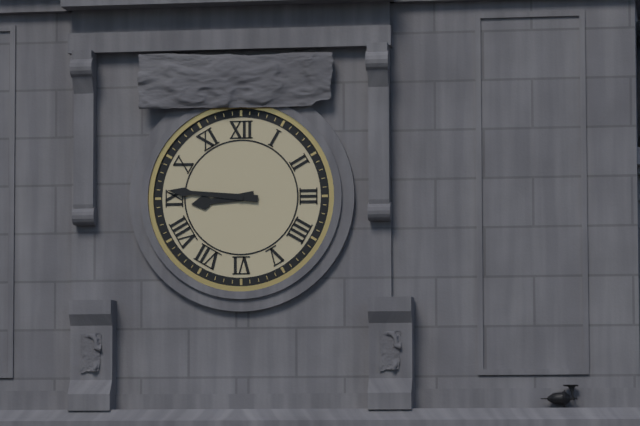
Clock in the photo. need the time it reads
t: 8:46
